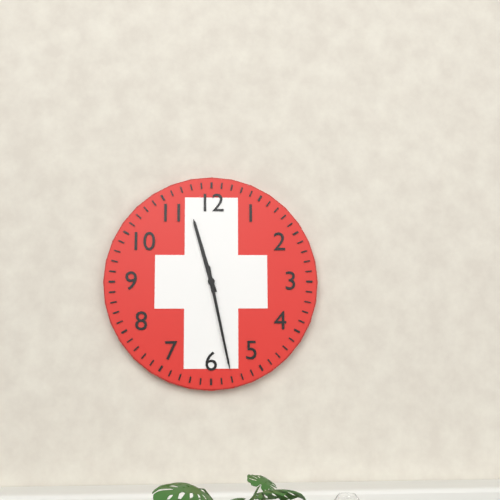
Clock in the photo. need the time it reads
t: 11:28
